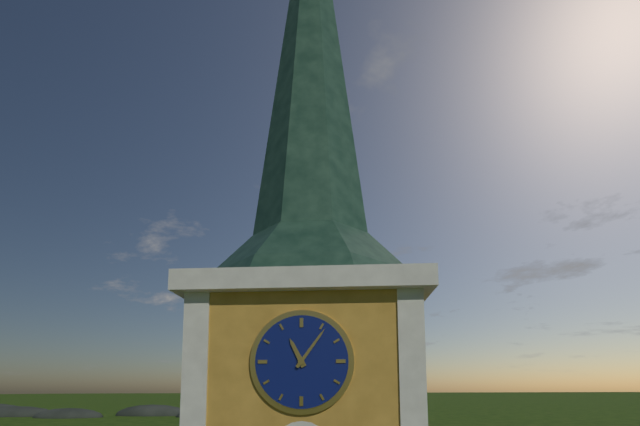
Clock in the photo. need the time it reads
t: 11:06
